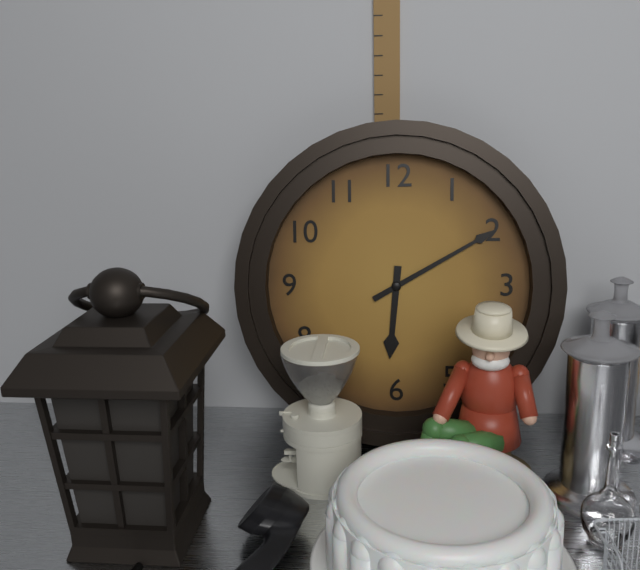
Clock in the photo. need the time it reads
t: 6:10
